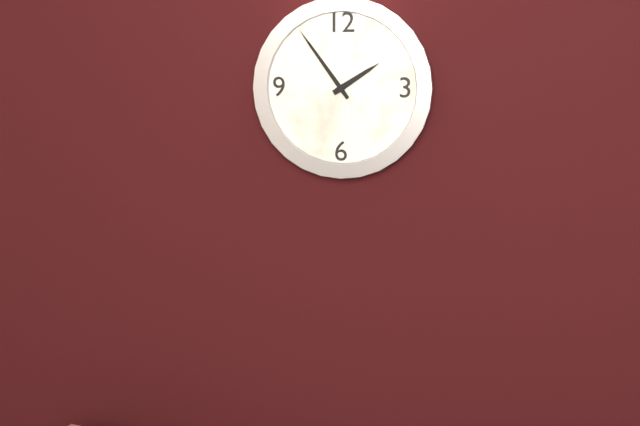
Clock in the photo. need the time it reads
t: 1:54
